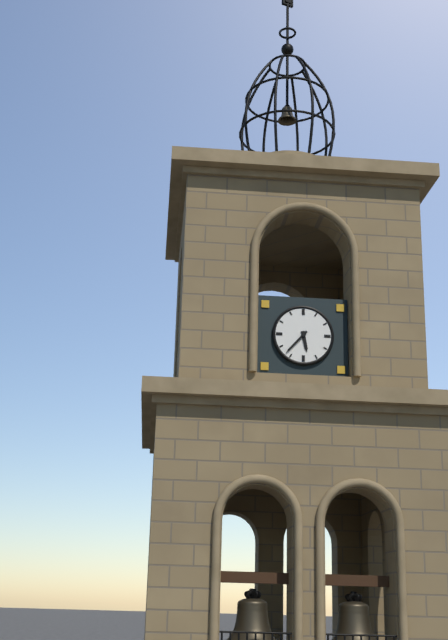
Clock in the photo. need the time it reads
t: 5:37
